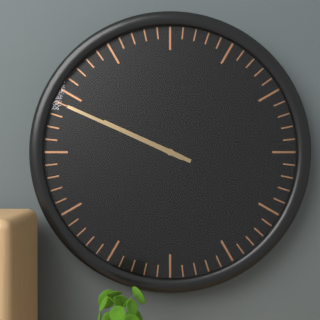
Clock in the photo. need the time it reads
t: 9:49
